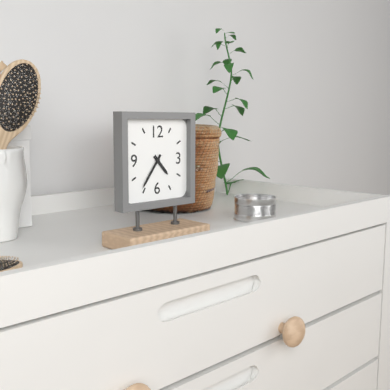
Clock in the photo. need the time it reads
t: 4:36
